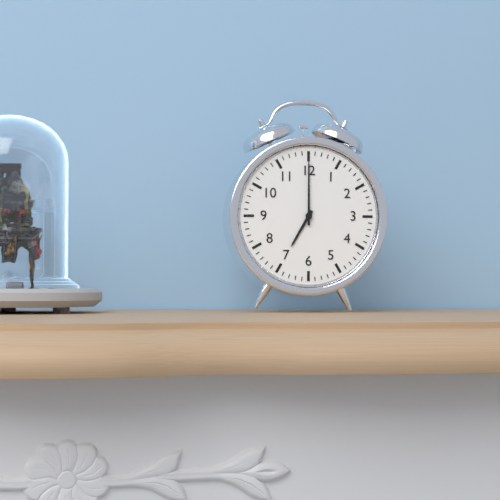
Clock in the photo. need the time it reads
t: 7:00
